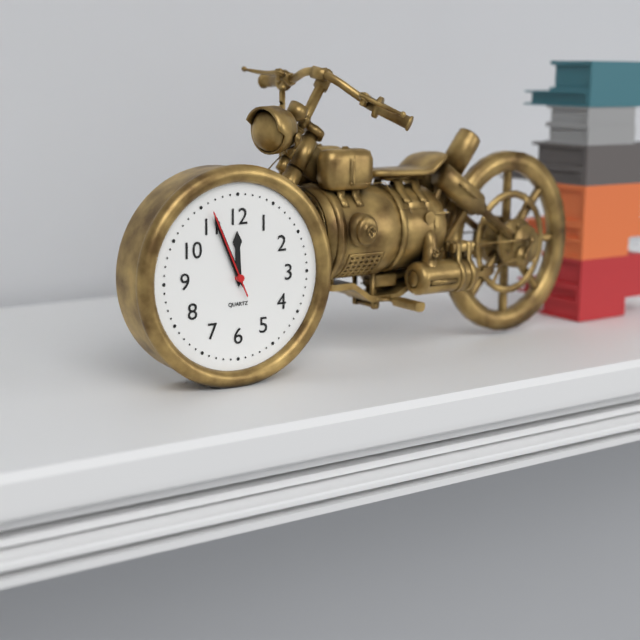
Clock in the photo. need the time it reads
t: 11:56:56
